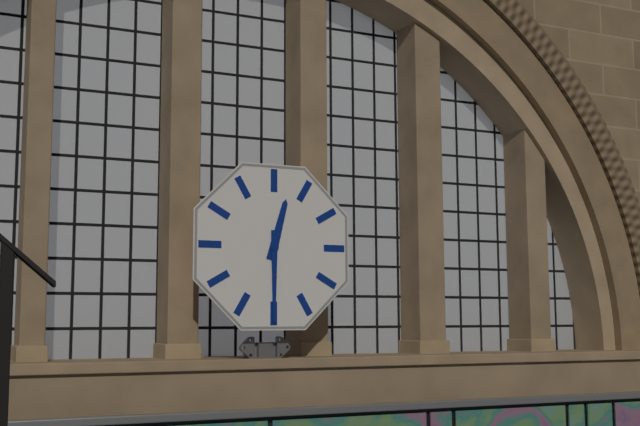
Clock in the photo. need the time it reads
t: 12:30
